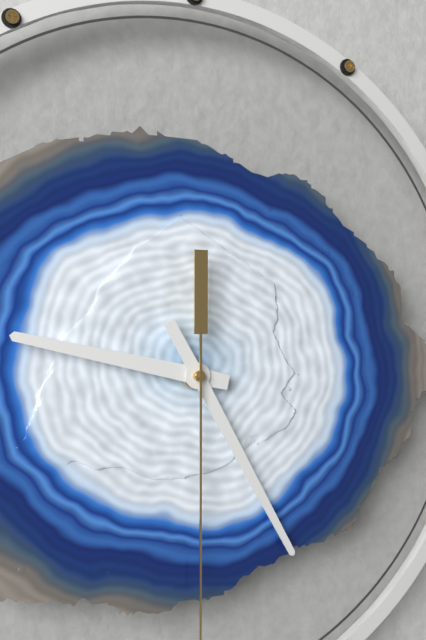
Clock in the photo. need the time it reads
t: 9:25
